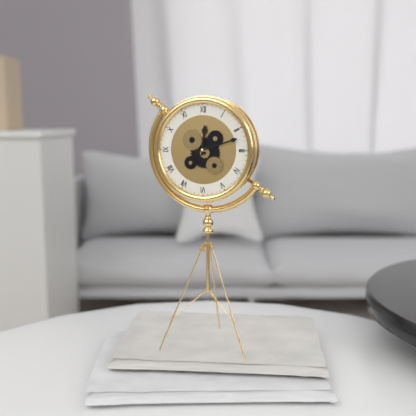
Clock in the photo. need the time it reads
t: 12:12
